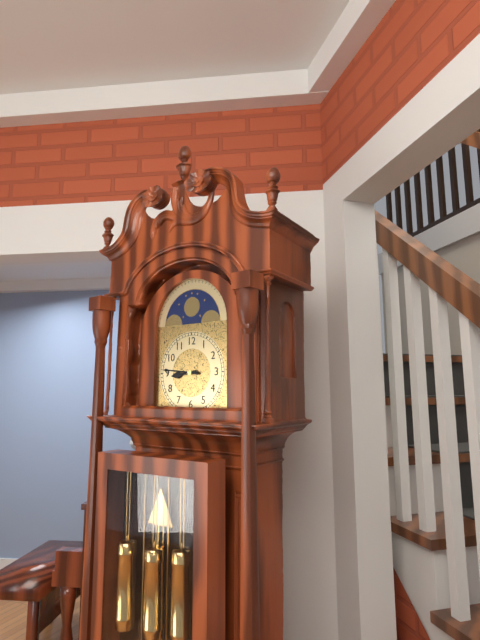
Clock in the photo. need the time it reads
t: 8:46
